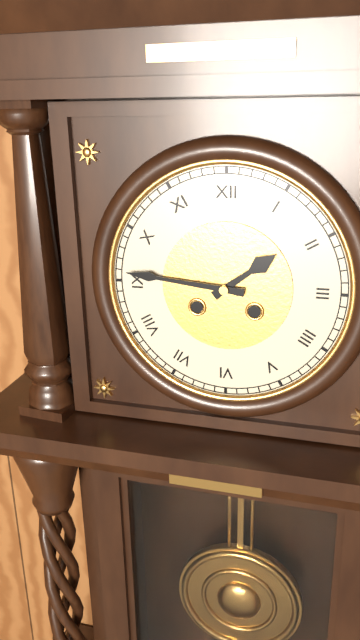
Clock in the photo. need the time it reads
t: 1:46
